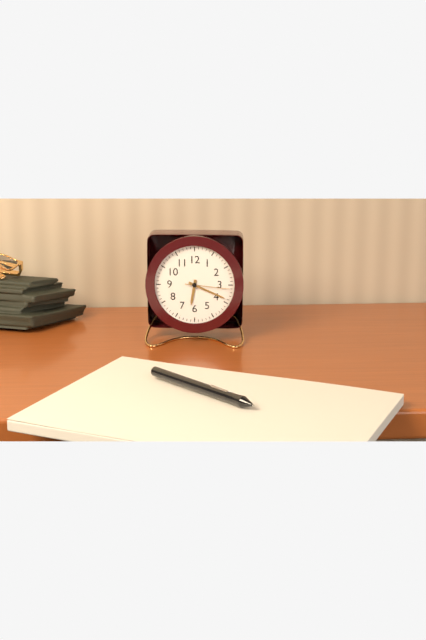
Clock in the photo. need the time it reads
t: 6:19
